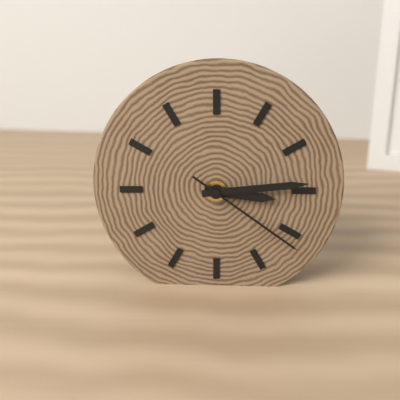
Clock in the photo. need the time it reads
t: 3:14:21
